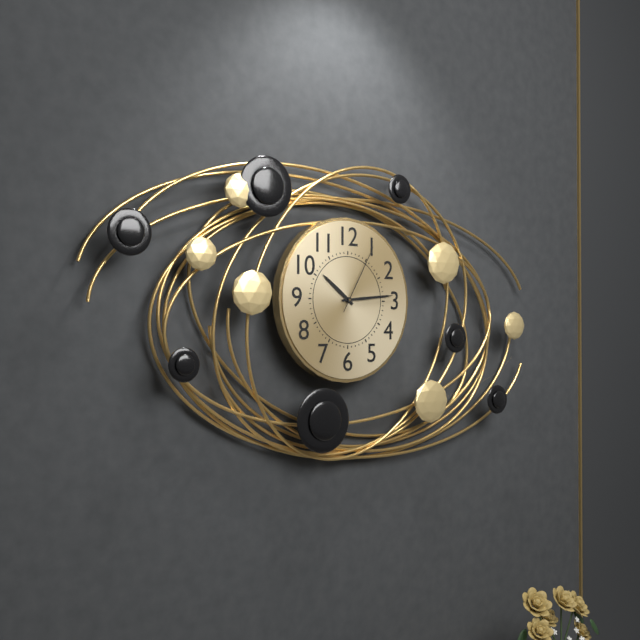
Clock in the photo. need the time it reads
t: 10:14:05
